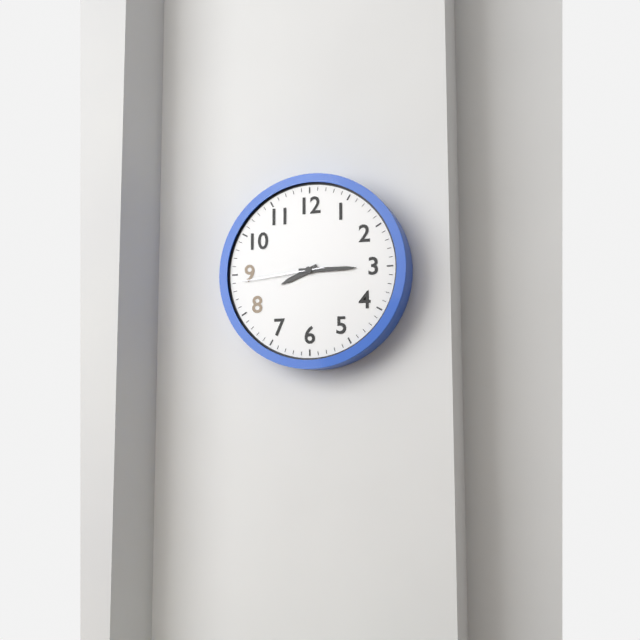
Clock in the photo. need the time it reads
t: 8:15:44
